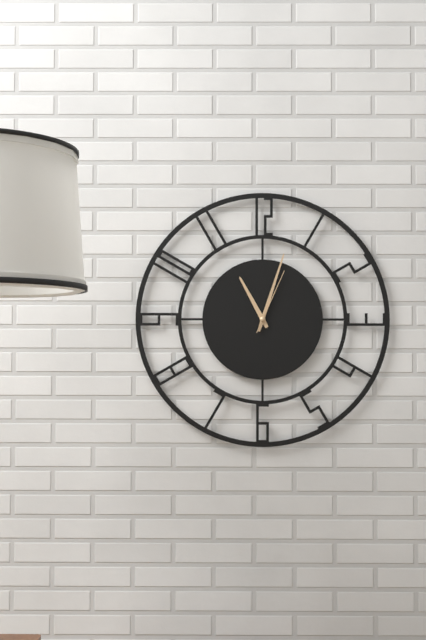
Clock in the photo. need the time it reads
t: 11:03:04
